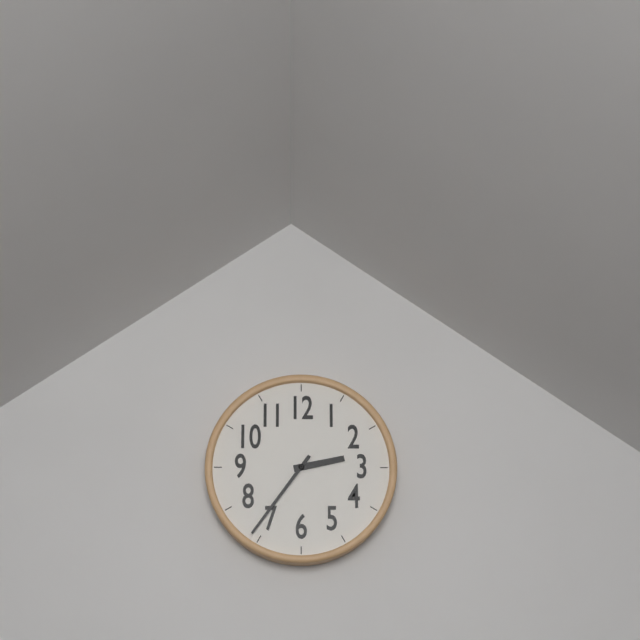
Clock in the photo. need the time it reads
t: 2:36
